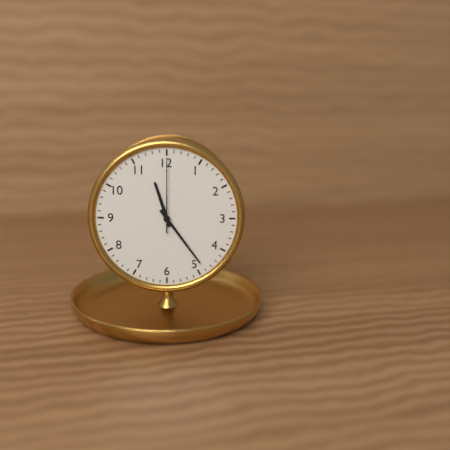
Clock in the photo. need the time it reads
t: 11:24:00
